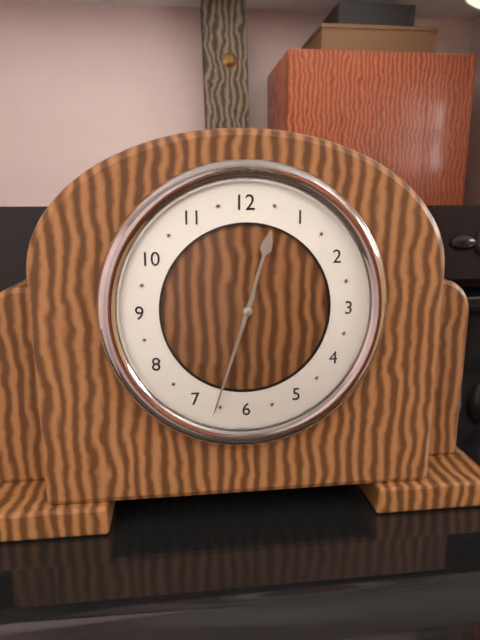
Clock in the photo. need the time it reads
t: 12:33
